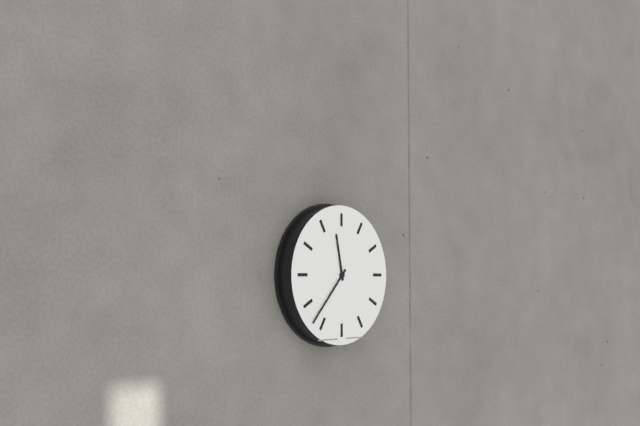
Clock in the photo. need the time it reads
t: 11:37
